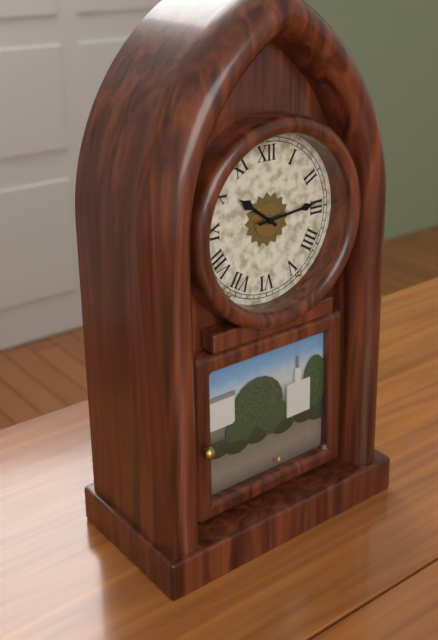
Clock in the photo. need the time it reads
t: 10:14
